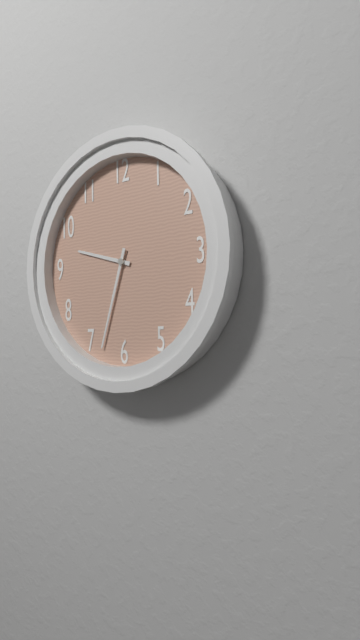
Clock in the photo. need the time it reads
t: 9:33
